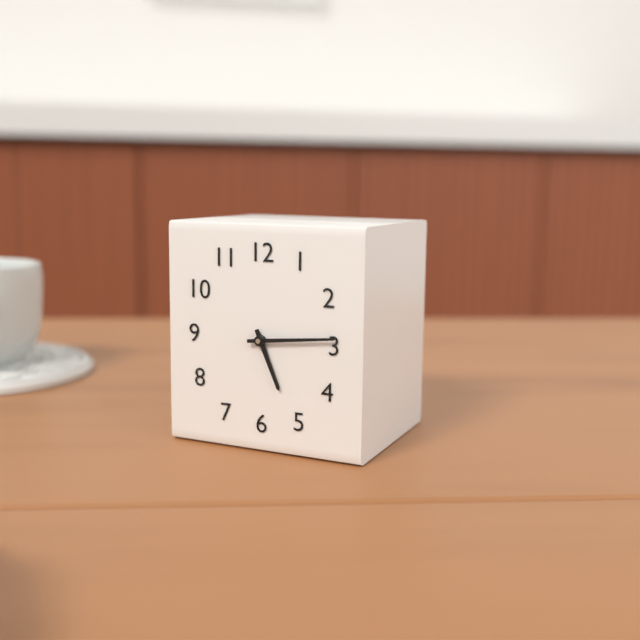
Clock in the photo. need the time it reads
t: 5:14
